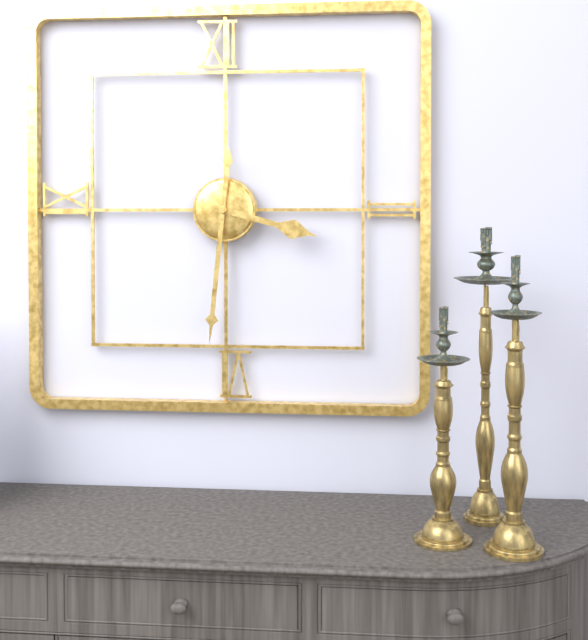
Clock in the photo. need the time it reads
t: 3:31
